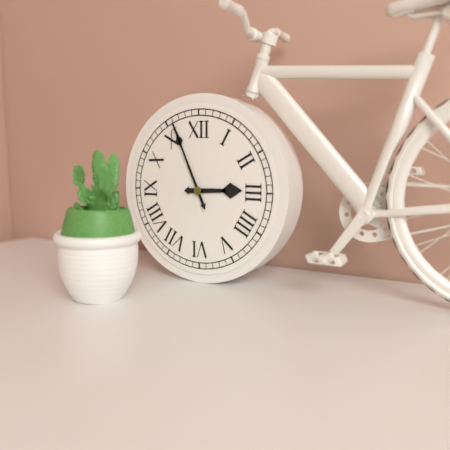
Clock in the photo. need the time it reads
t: 2:56
